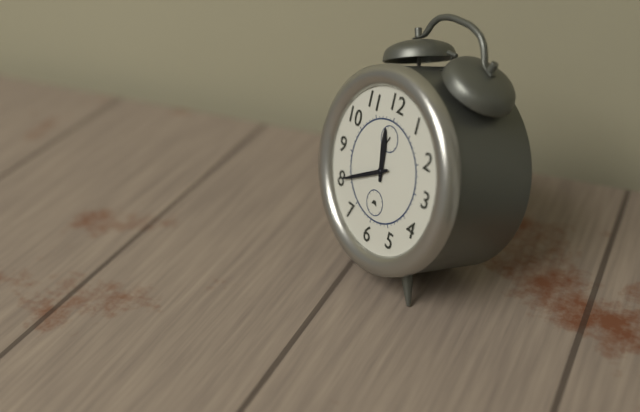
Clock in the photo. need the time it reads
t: 11:40
